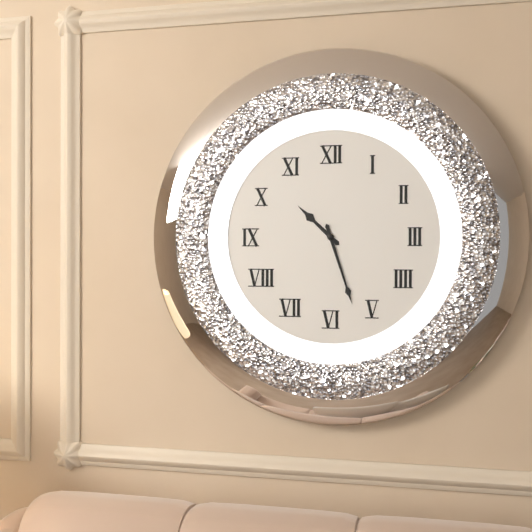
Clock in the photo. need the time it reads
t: 10:27
